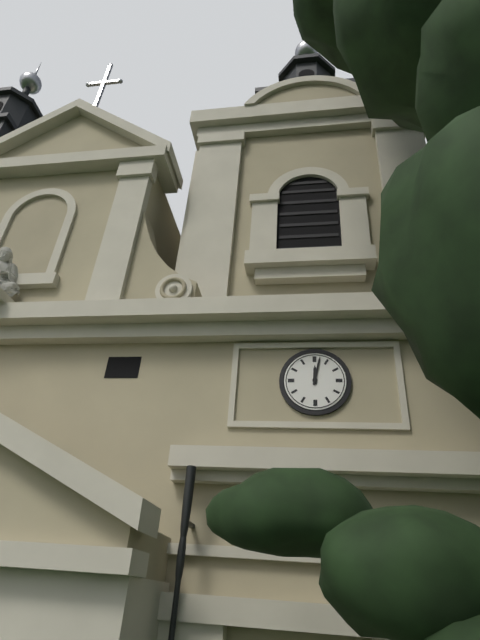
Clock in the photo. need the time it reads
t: 12:02
